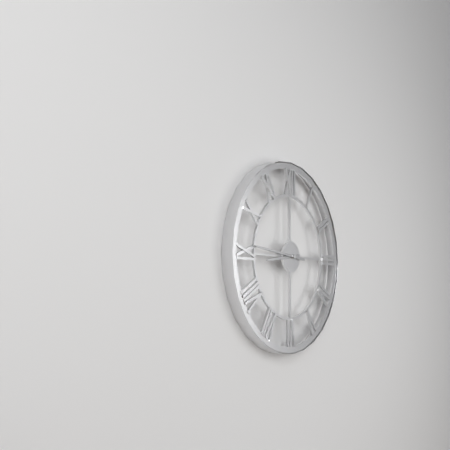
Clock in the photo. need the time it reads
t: 8:46
